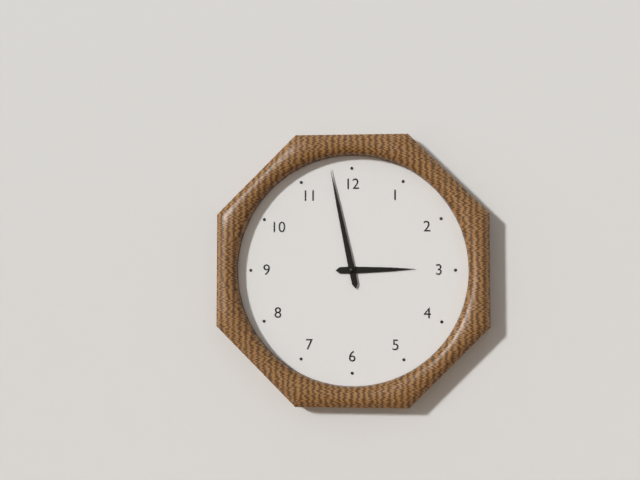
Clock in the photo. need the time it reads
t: 2:58
